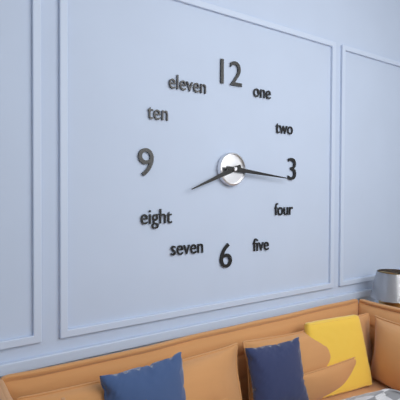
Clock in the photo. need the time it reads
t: 8:16
